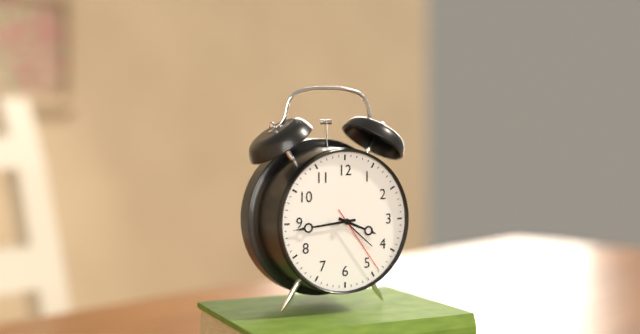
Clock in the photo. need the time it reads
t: 3:44:24
